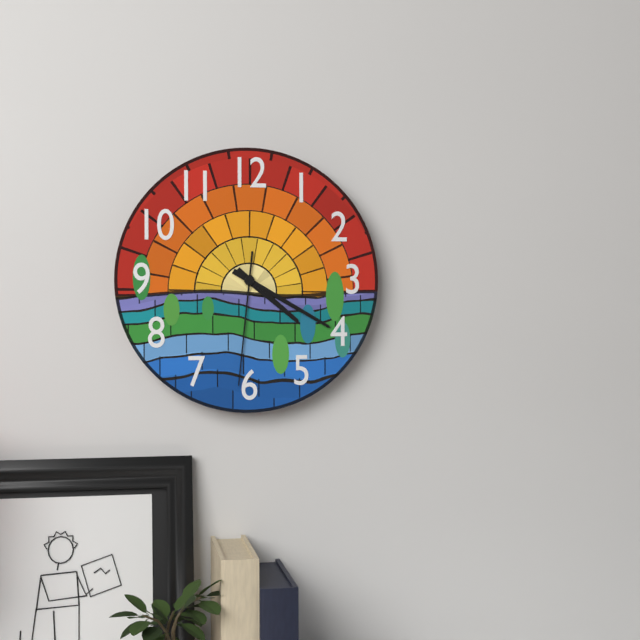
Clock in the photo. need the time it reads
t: 4:20:31
